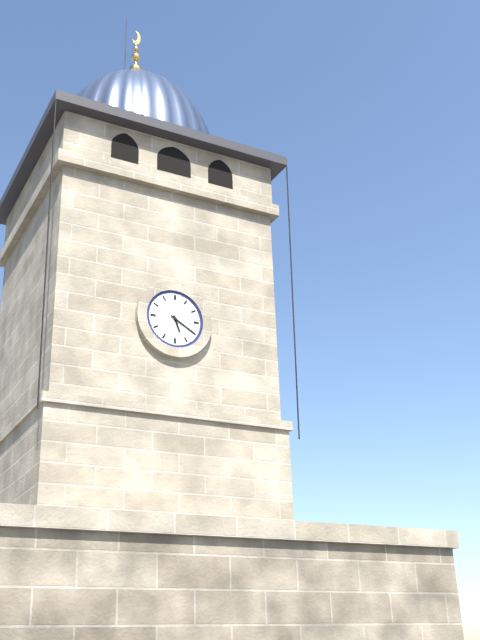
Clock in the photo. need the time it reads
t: 5:20
